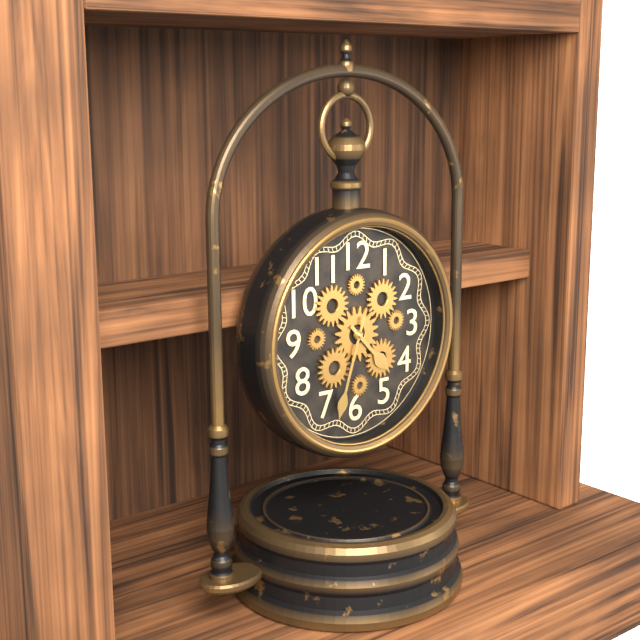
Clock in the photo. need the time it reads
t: 4:33
